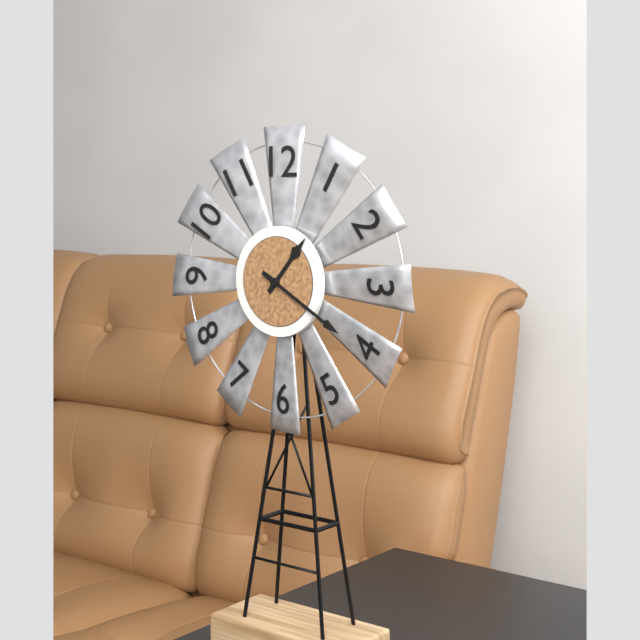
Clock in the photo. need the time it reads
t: 1:20
